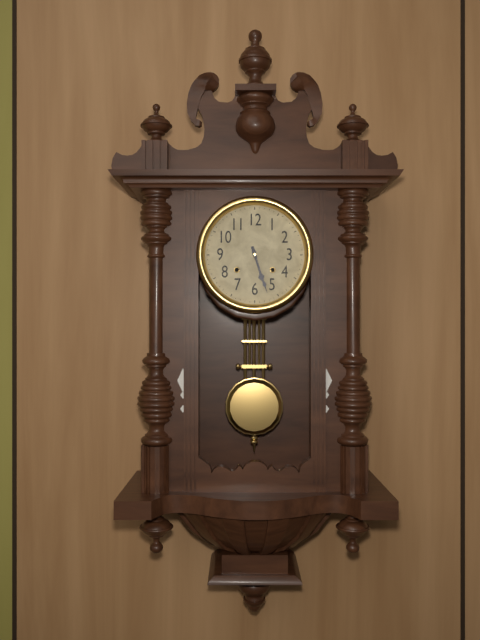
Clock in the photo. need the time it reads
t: 5:27
